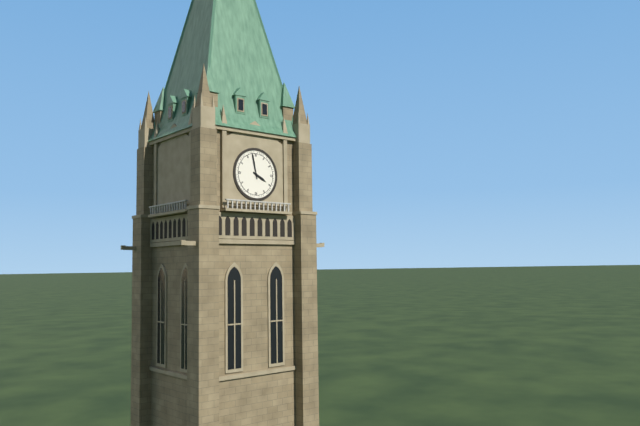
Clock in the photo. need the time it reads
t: 3:58
